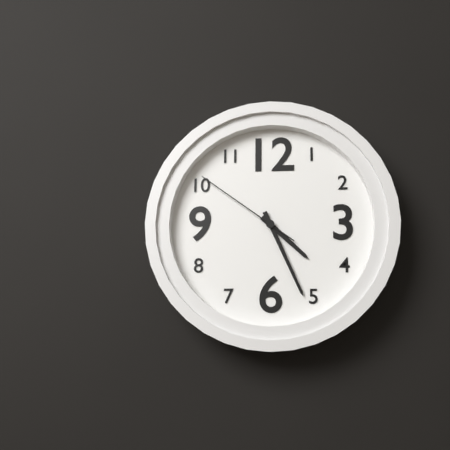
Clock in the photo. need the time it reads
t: 4:26:51
